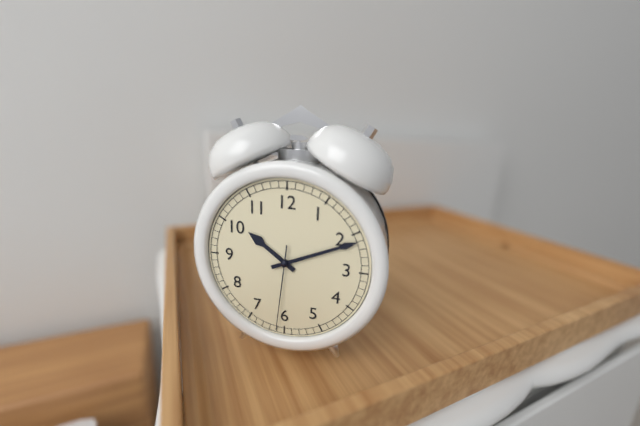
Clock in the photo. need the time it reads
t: 10:11:31
